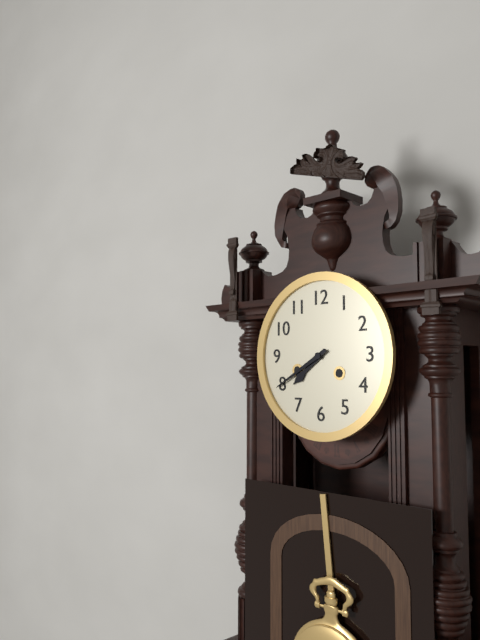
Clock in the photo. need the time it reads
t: 7:40
